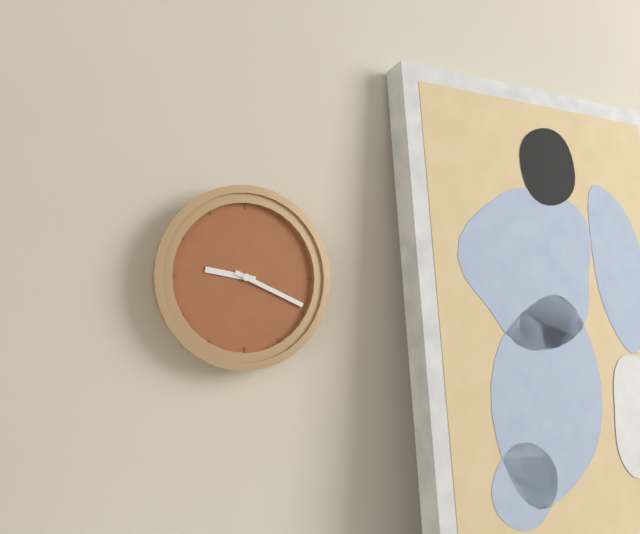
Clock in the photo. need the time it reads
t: 9:19
